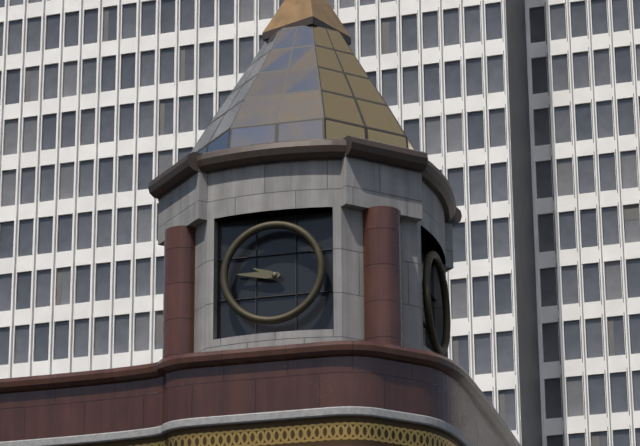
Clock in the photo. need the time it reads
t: 9:46
